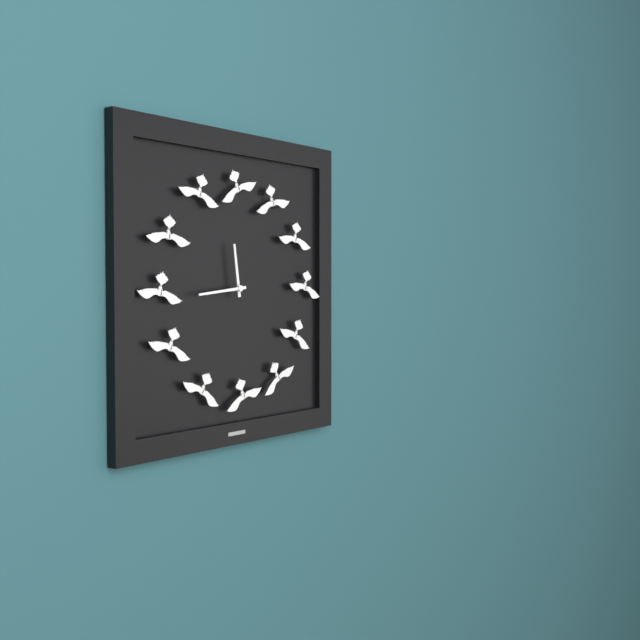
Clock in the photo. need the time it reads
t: 11:44
